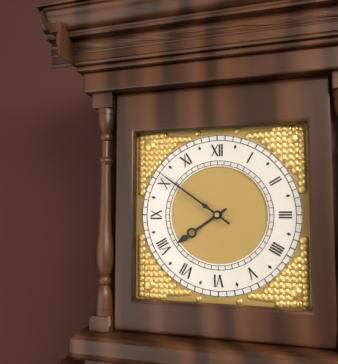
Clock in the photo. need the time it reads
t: 7:51
